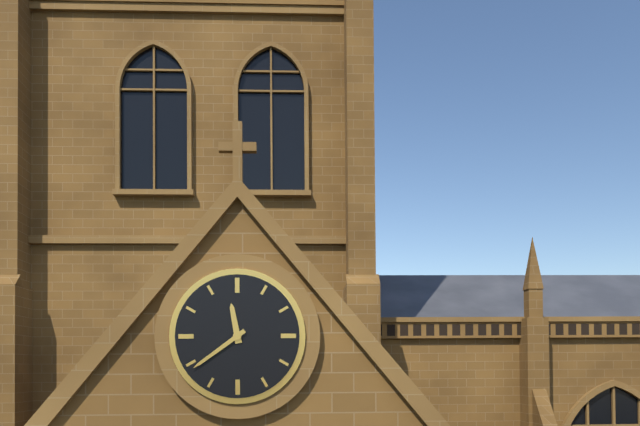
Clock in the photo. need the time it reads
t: 11:39
